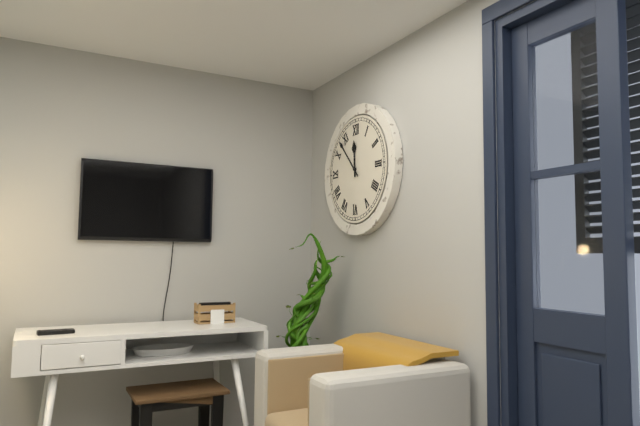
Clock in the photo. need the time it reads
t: 11:53
